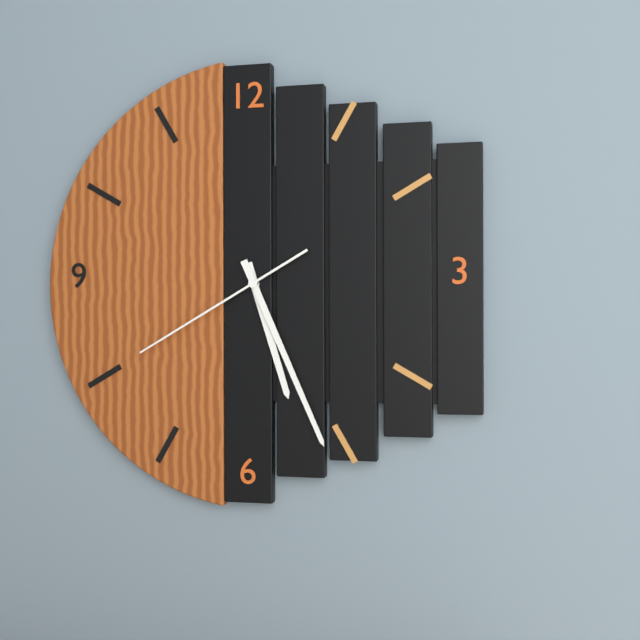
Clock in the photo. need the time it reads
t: 5:26:40
